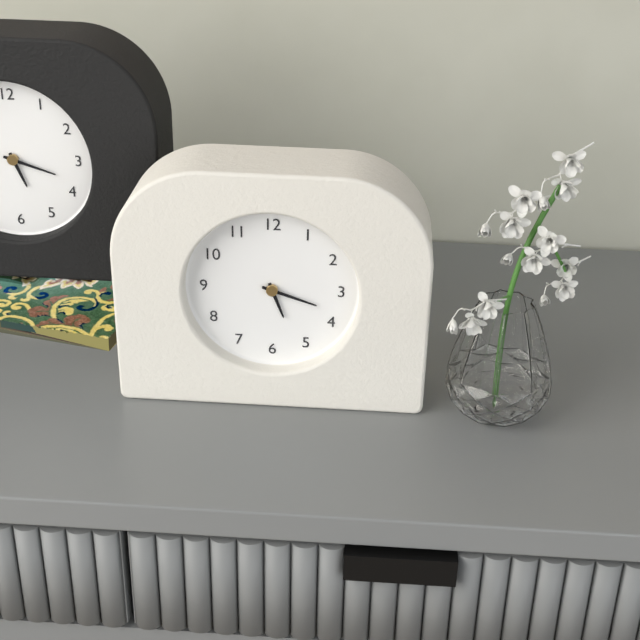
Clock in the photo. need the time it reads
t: 5:18
